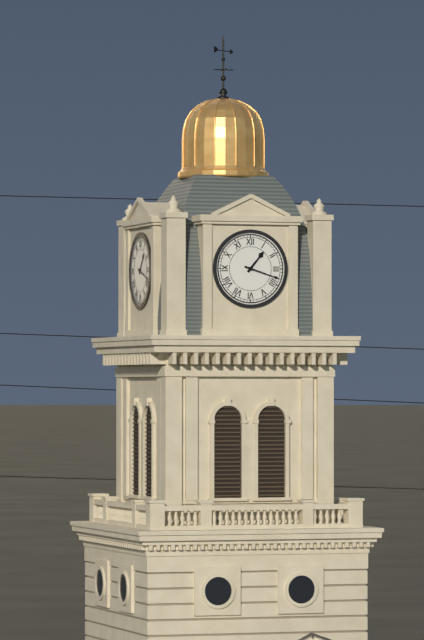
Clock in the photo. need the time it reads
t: 1:18
